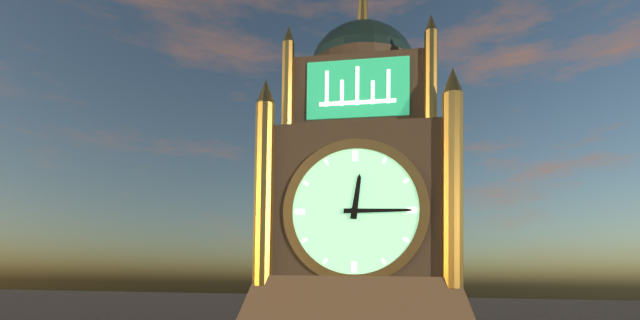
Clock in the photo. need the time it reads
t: 12:15
